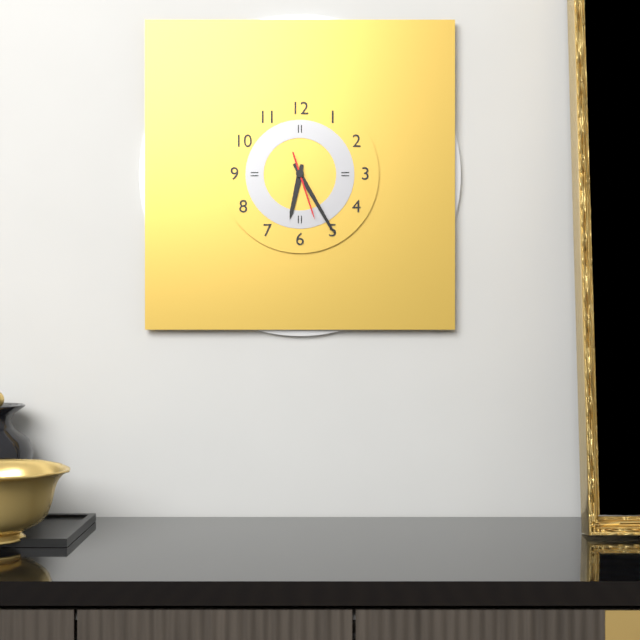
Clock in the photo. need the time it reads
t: 6:25:27
